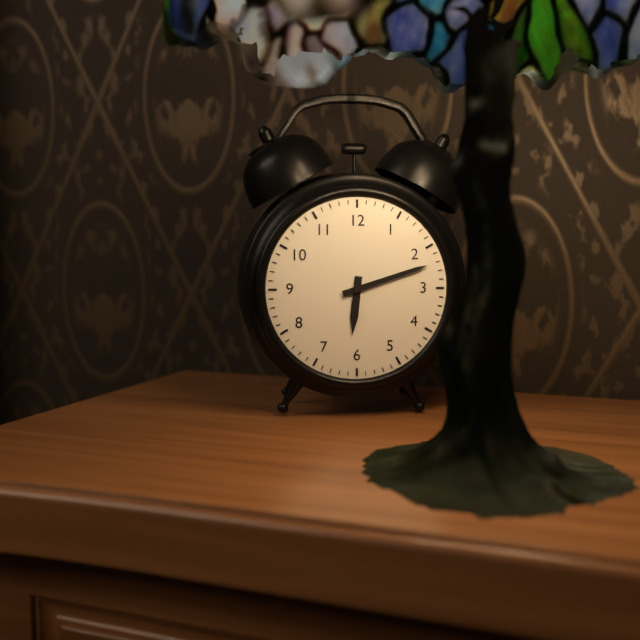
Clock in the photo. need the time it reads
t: 6:12
